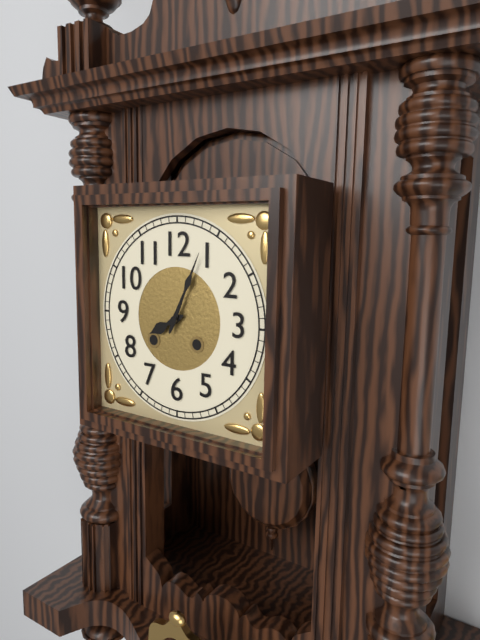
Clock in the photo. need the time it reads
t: 8:04
